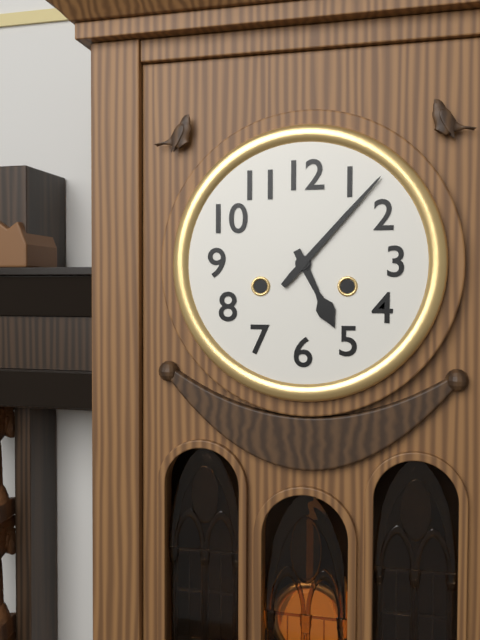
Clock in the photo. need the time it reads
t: 5:07
